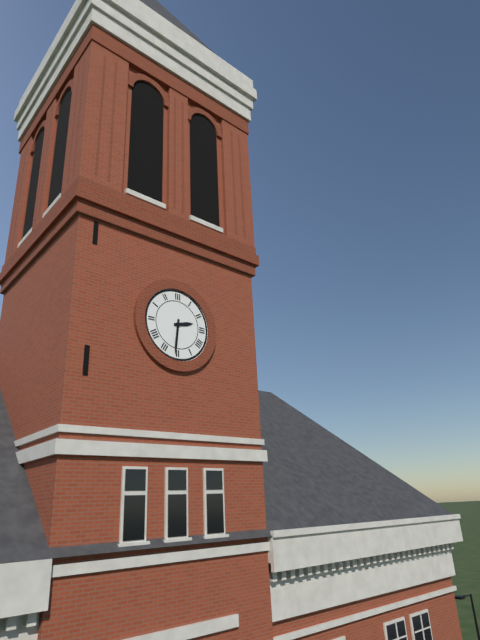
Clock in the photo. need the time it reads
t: 2:31
